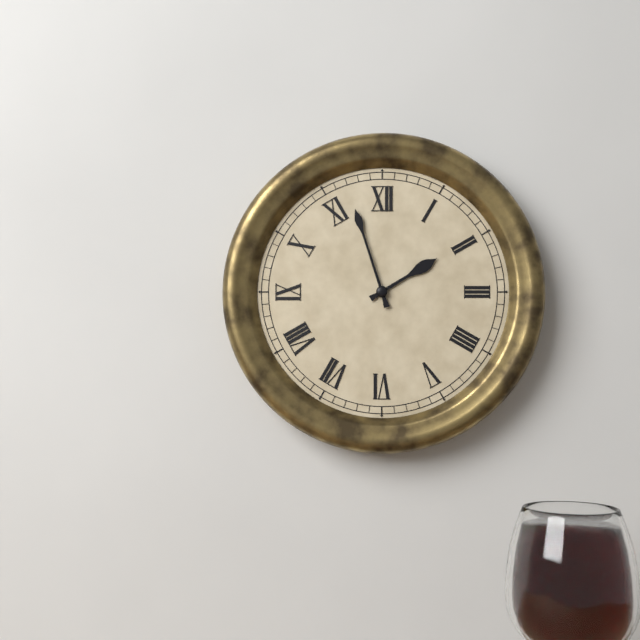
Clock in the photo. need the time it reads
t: 1:57
